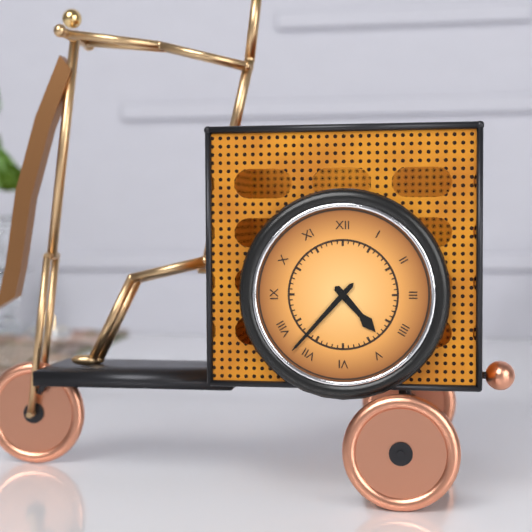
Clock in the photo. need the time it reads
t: 4:37
